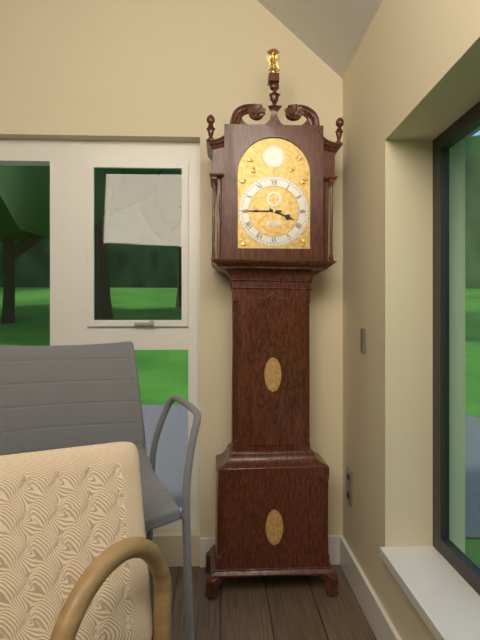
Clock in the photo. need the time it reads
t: 3:45
